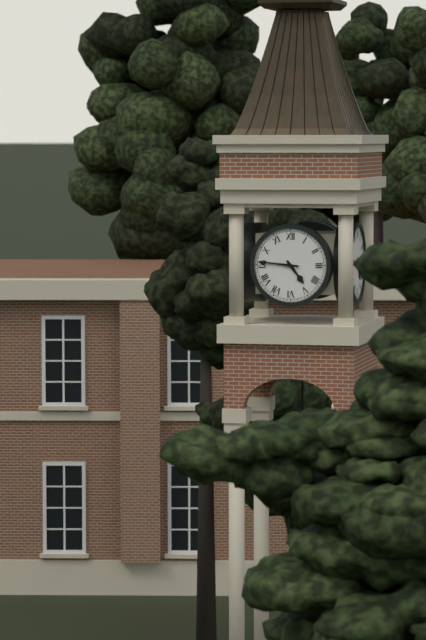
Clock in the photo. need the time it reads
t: 4:46
